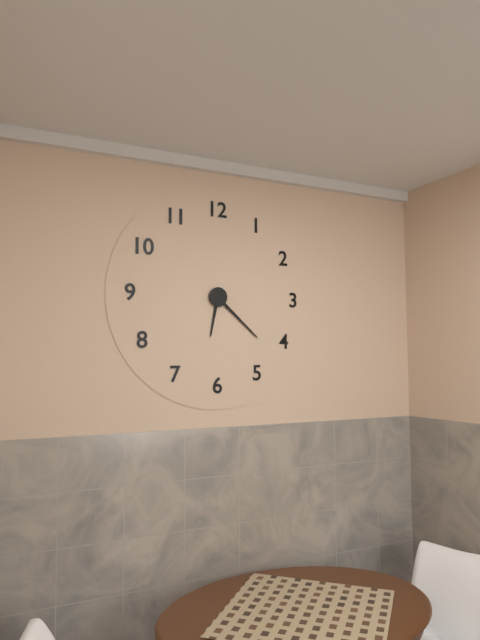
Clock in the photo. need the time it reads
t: 6:22
